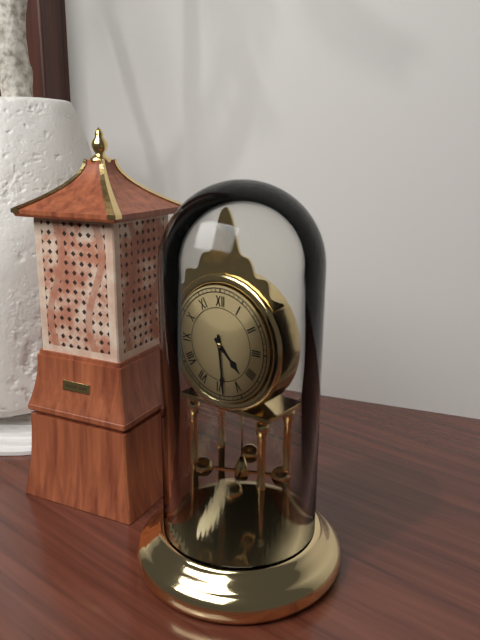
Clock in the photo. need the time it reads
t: 4:29
